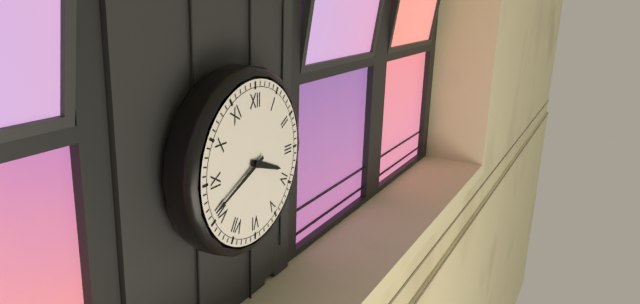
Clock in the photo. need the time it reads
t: 3:41
